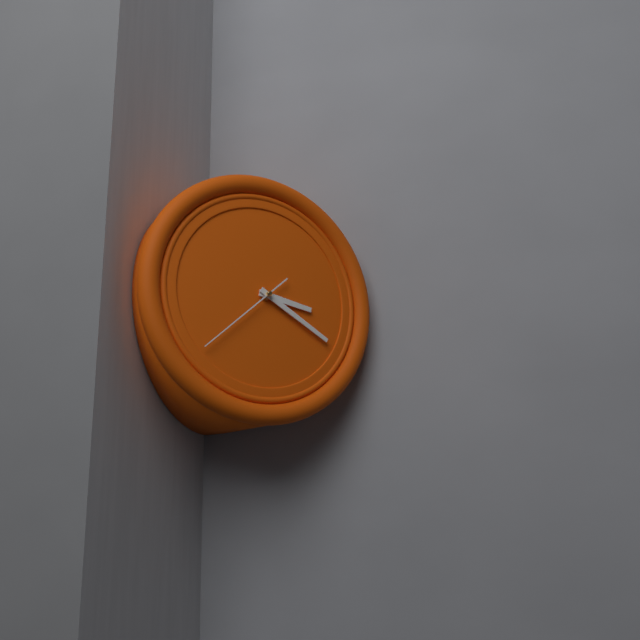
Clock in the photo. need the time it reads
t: 3:20:38
